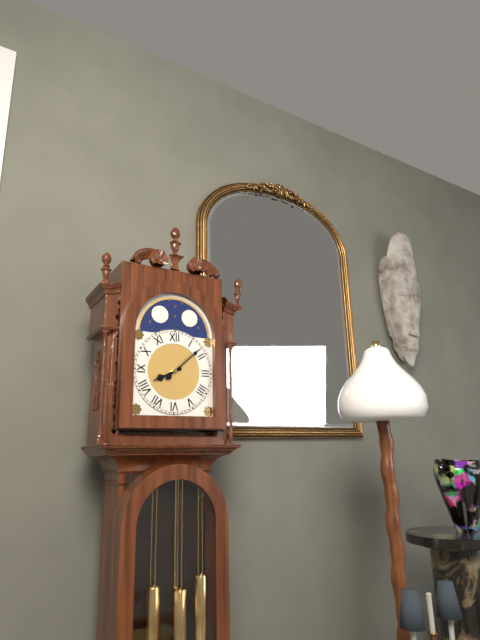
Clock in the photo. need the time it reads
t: 8:08
